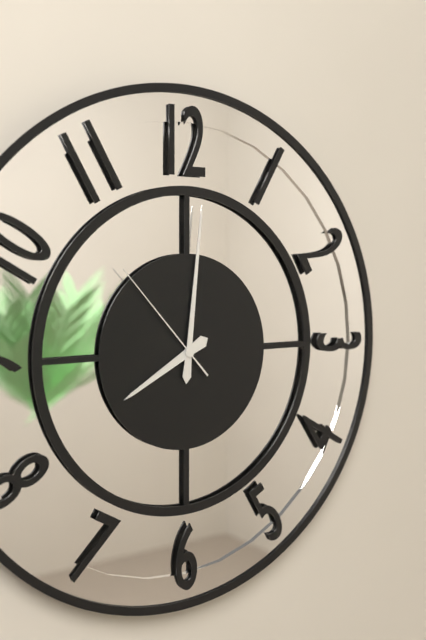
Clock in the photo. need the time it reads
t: 8:01:53
